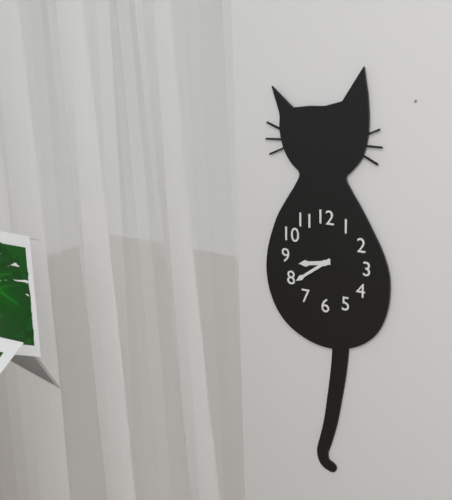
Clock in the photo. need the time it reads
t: 8:39
